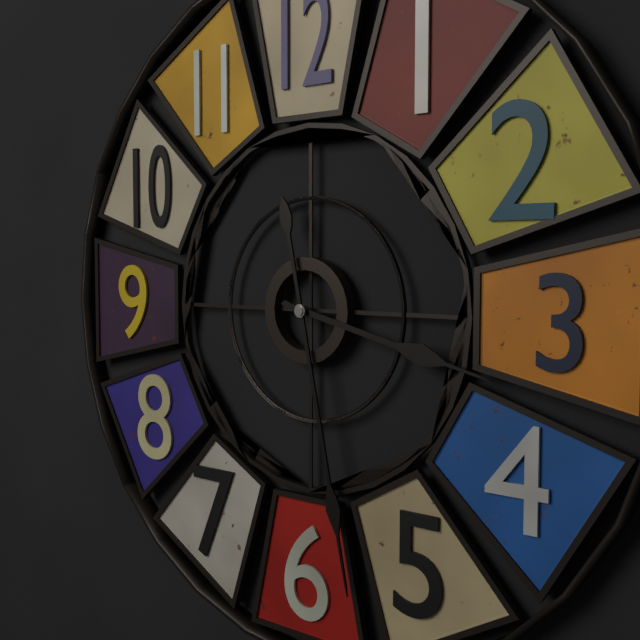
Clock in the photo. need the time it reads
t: 3:28
